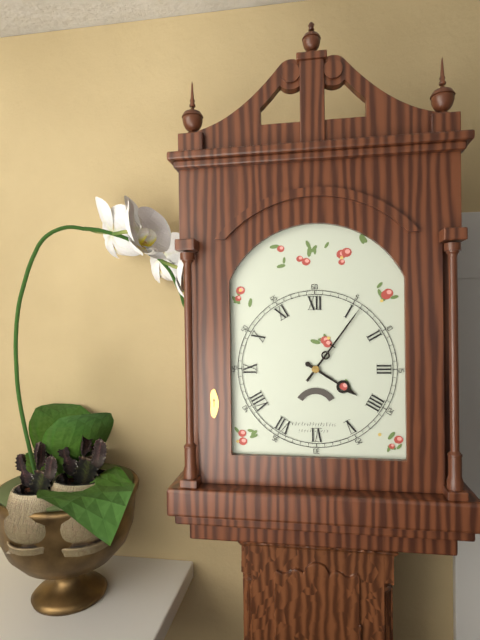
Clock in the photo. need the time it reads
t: 4:06
